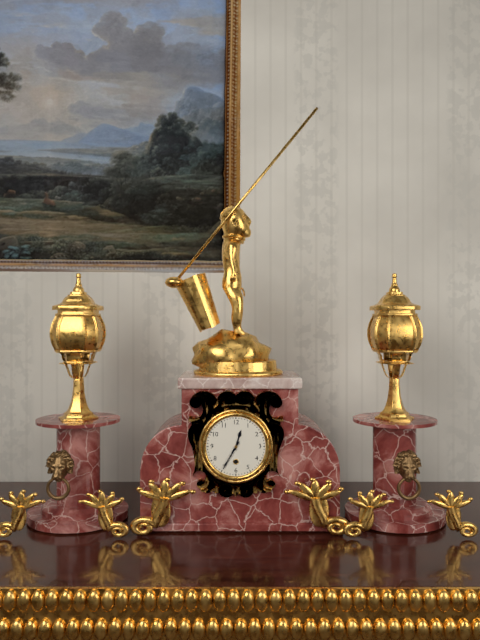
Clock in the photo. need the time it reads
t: 12:35
